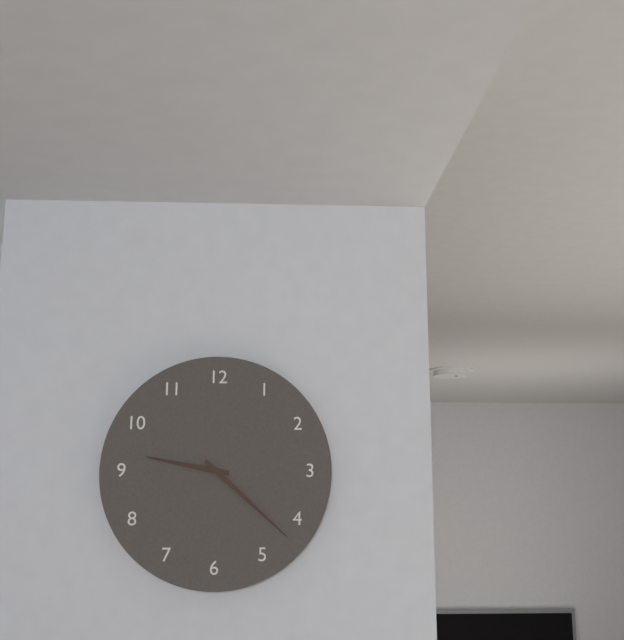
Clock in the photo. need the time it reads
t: 9:22
